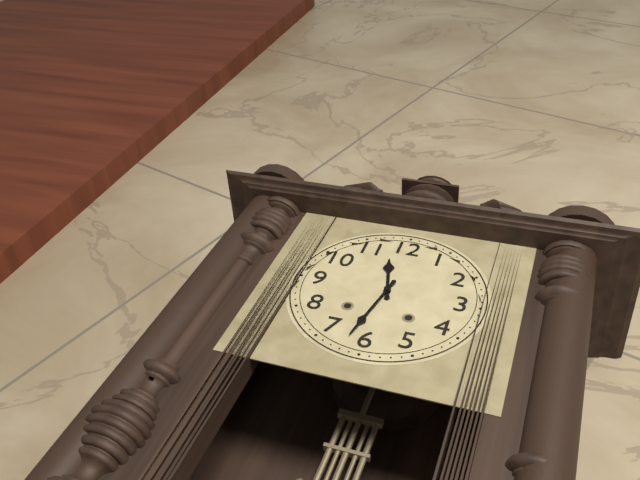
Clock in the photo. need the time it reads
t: 11:32
